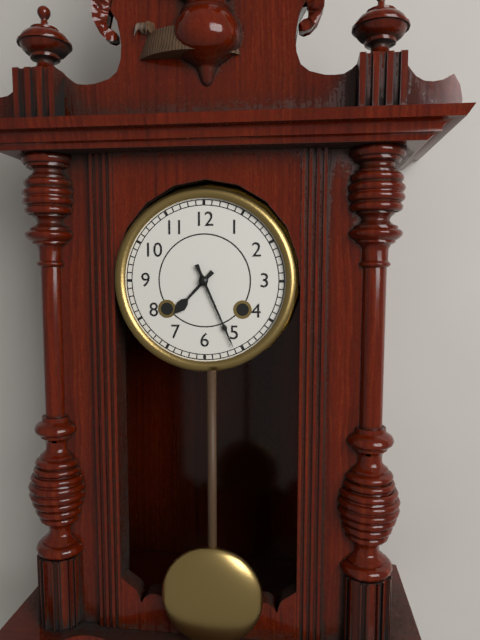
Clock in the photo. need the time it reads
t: 7:26
